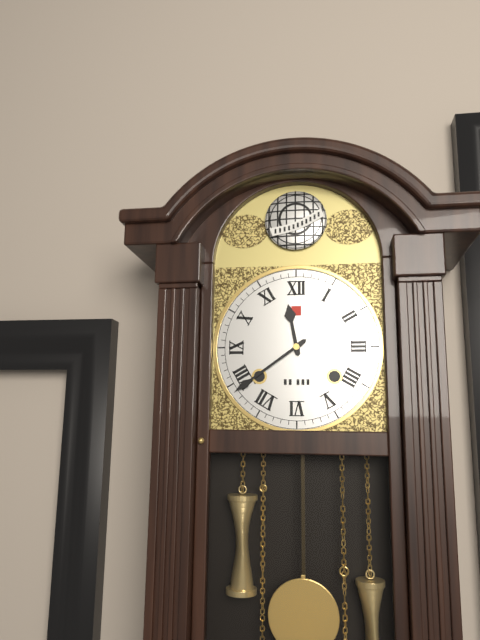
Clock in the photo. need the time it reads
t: 11:39
